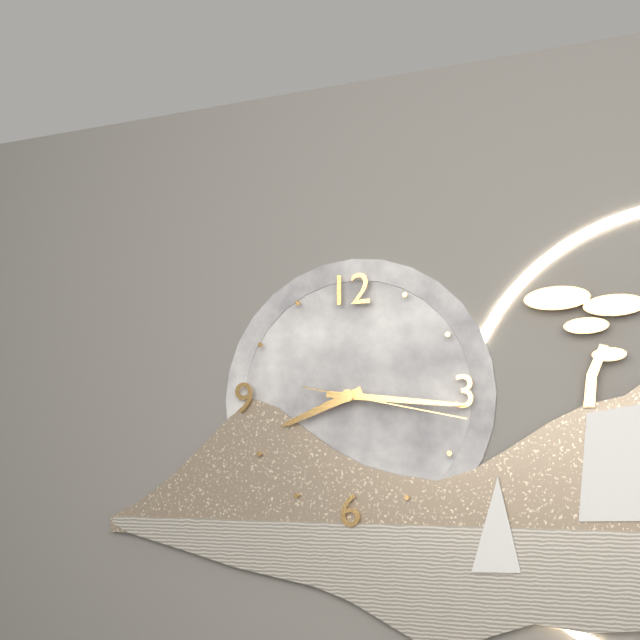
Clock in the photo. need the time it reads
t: 8:16:17
